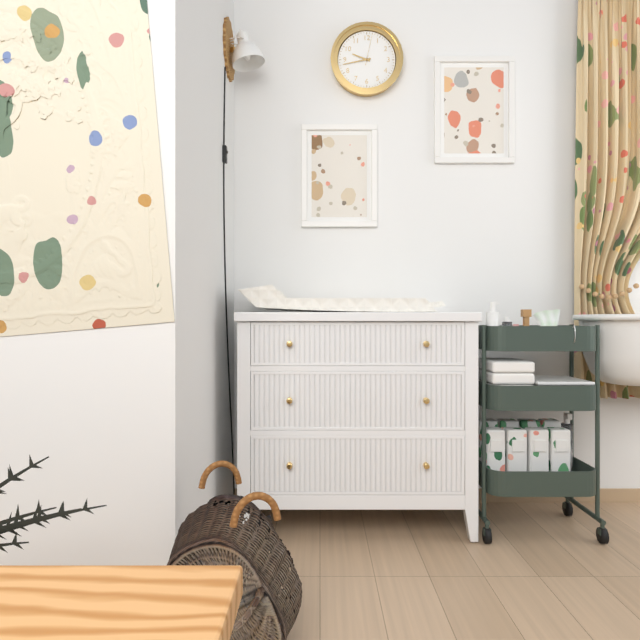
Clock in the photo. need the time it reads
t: 9:43
